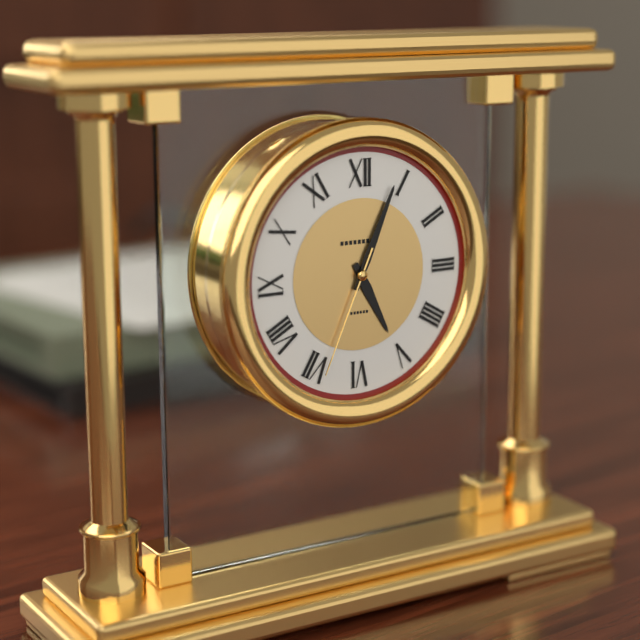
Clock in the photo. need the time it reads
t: 5:04:34
